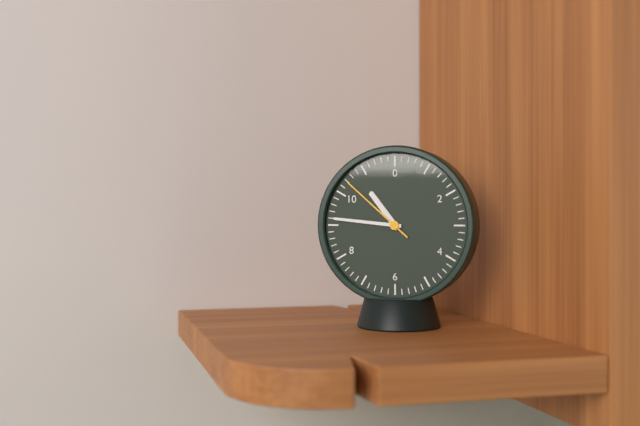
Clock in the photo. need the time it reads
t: 10:46:52
